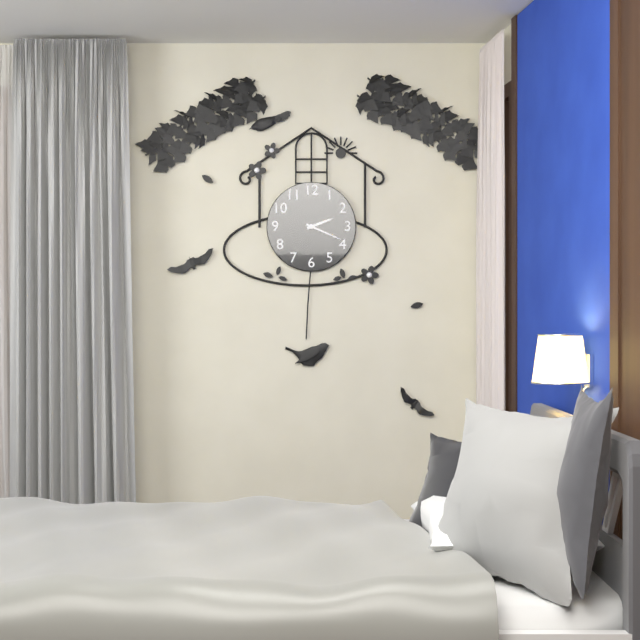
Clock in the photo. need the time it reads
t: 2:19
